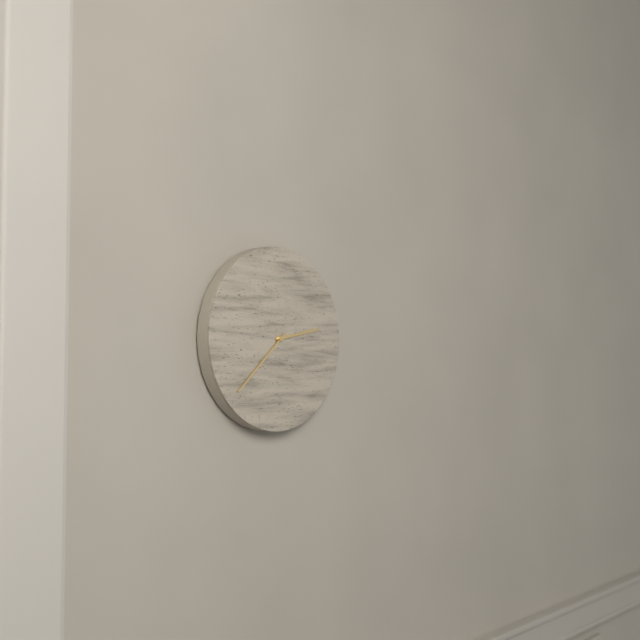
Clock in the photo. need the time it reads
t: 2:38
